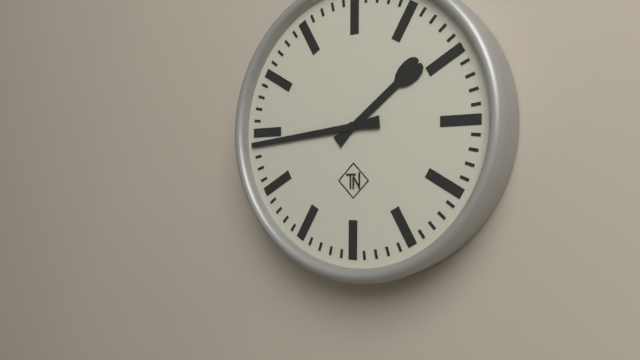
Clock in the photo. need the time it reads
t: 1:44
